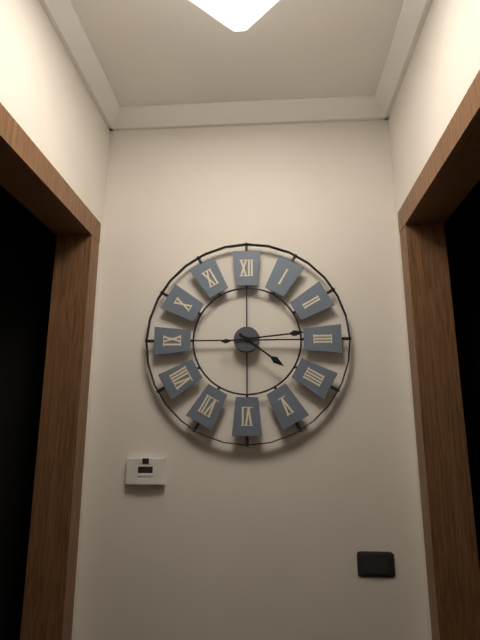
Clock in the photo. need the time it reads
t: 4:14
